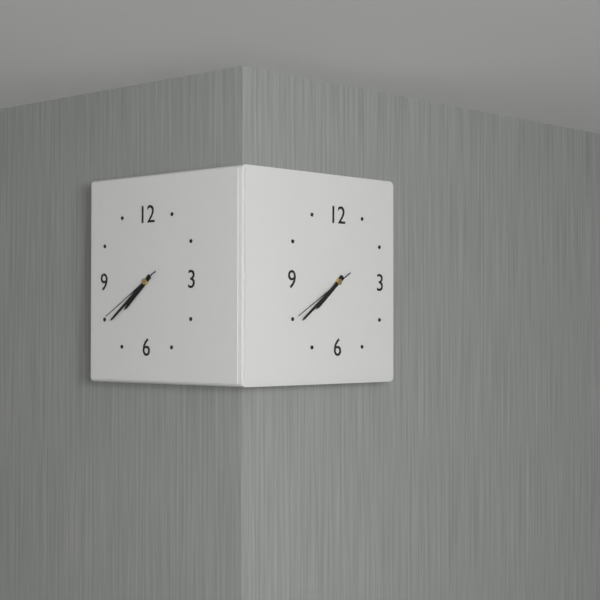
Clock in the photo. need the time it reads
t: 7:39:40
